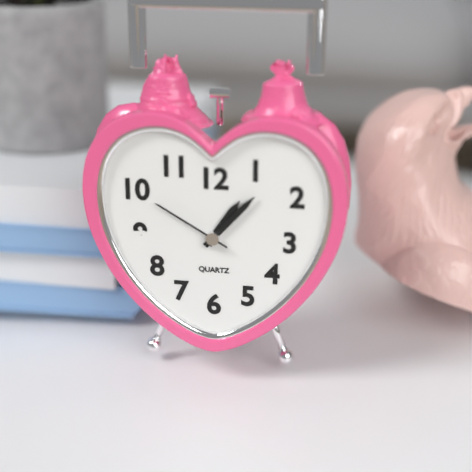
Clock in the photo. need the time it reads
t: 1:07:50
